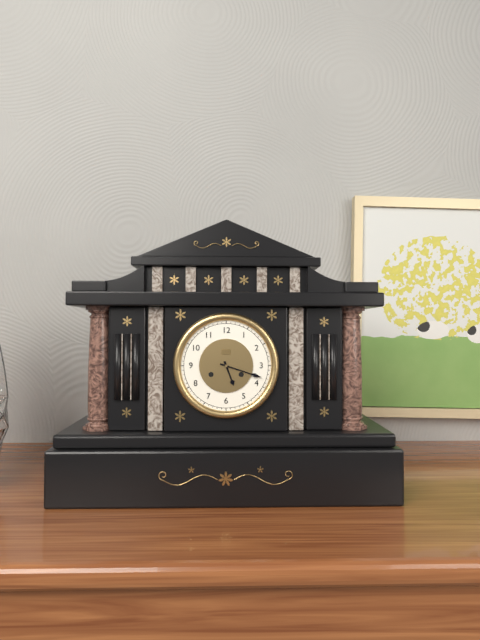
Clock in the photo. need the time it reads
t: 5:18
